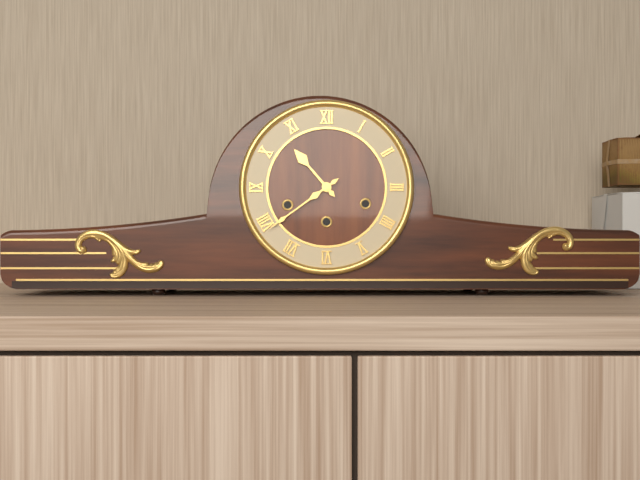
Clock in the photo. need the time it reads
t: 10:39
